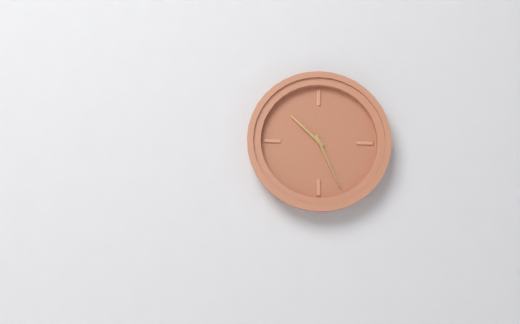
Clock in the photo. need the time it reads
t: 10:26
